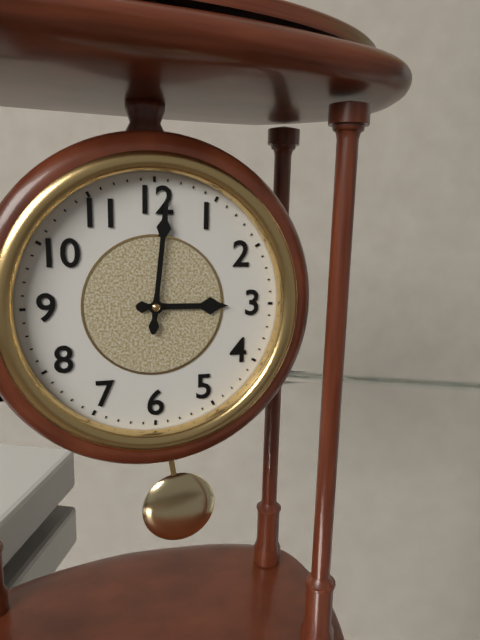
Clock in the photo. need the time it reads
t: 3:01
